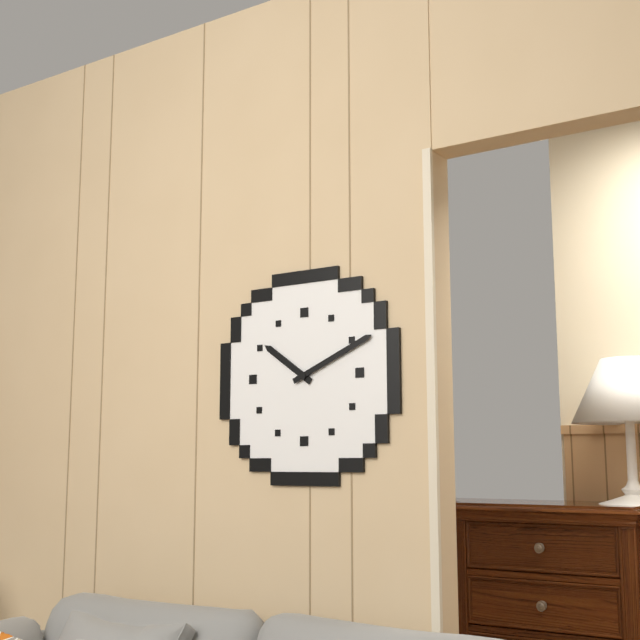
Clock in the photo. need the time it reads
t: 10:11
